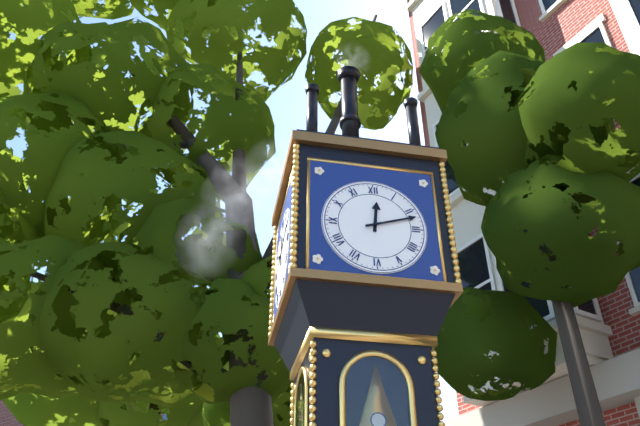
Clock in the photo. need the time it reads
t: 12:12
